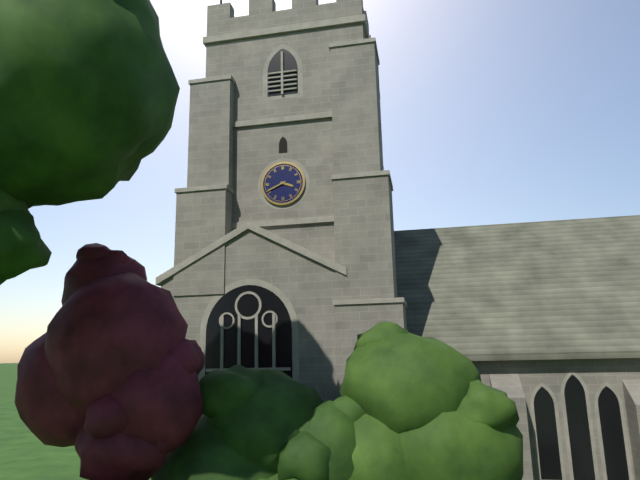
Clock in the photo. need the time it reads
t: 3:41
